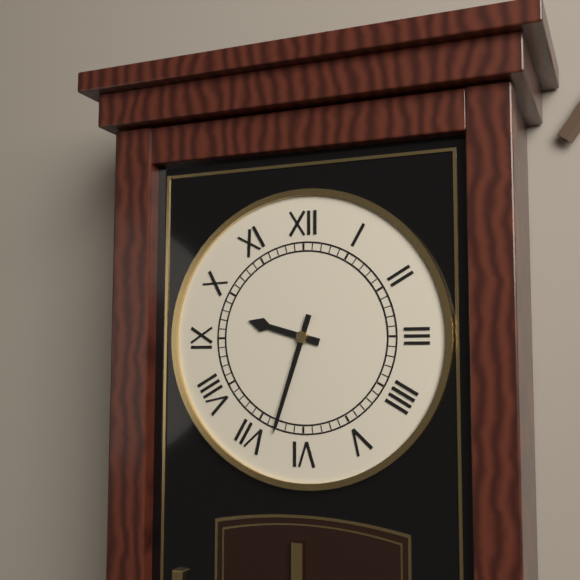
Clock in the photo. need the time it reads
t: 9:33
